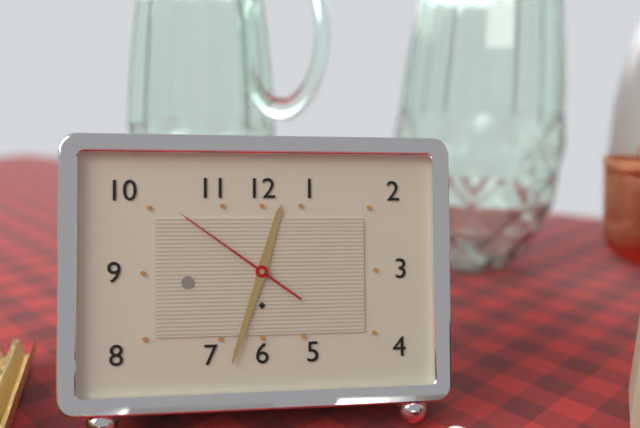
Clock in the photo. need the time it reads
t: 12:33:51
